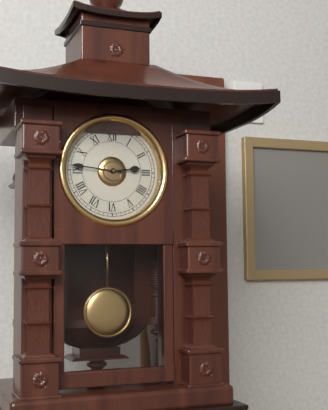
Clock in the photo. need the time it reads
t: 2:46
